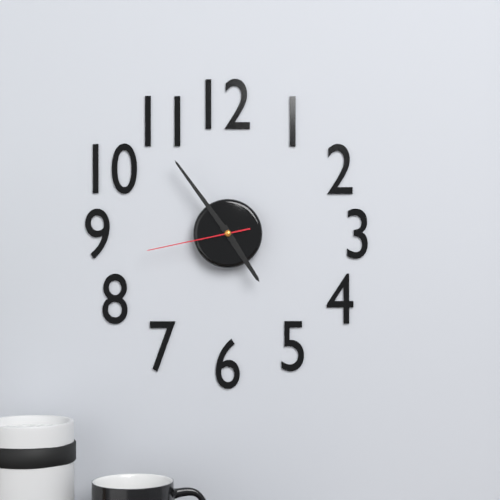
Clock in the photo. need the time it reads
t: 4:54:43
